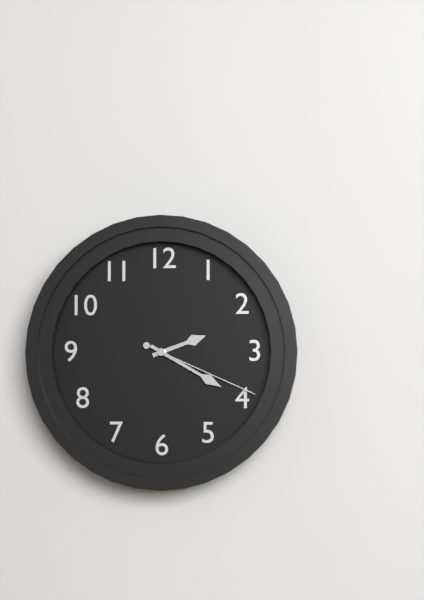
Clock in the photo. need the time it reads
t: 2:20:19
